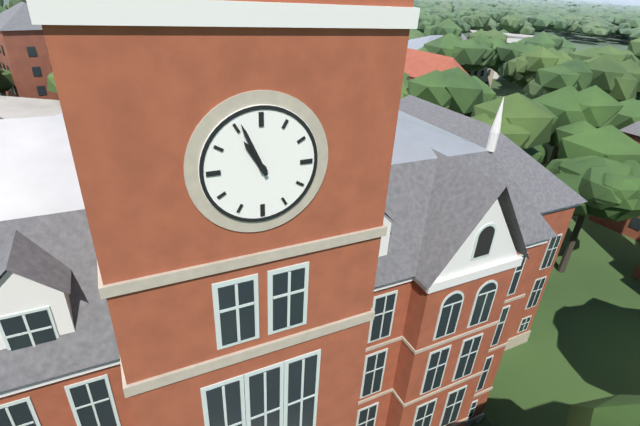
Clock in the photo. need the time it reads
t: 10:56
